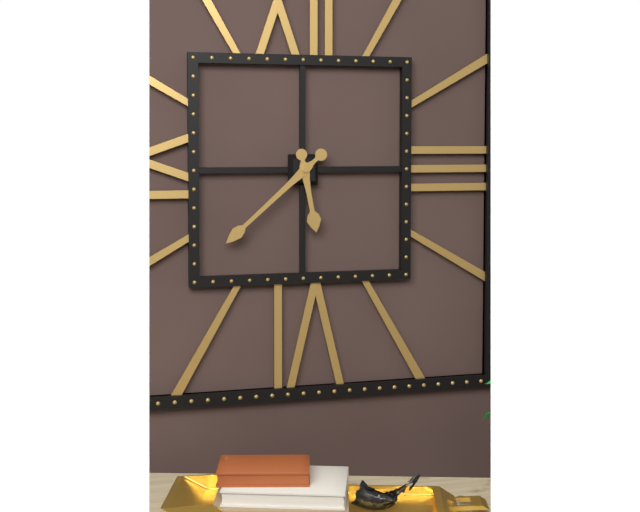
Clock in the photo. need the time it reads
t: 5:38
